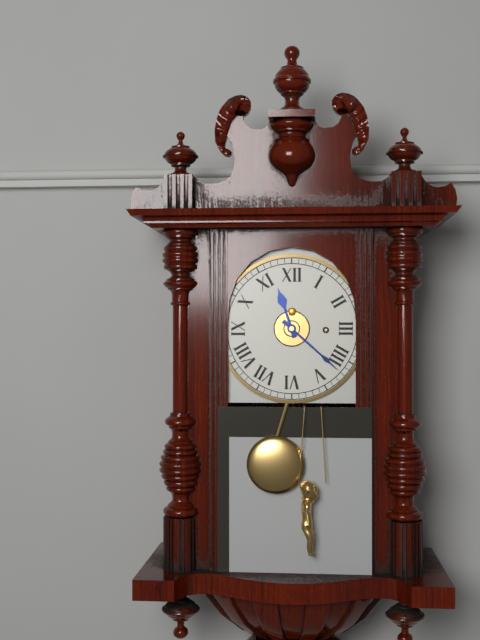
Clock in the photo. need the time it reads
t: 11:22
